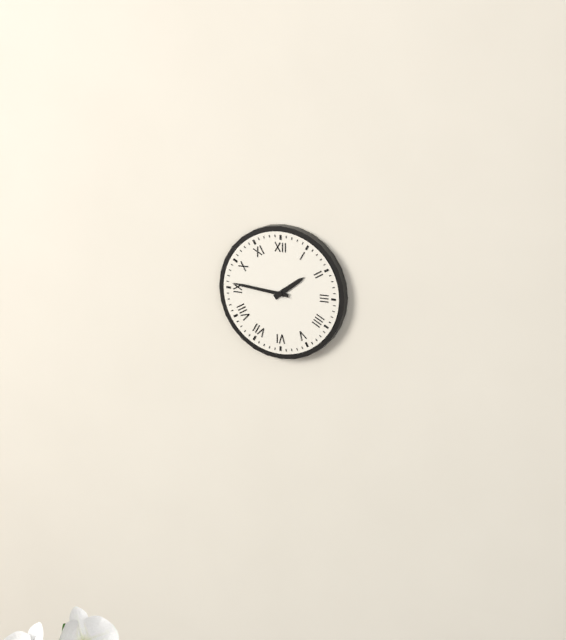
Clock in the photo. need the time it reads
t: 1:46
